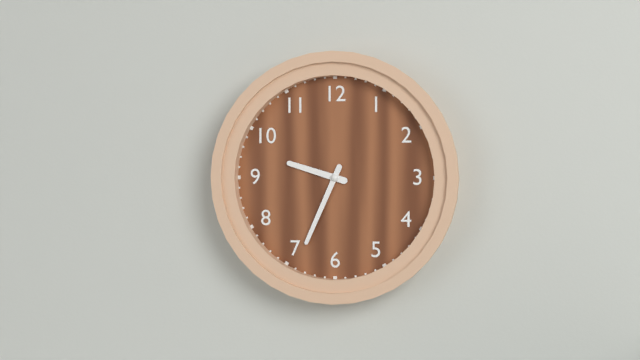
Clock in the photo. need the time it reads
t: 9:34
